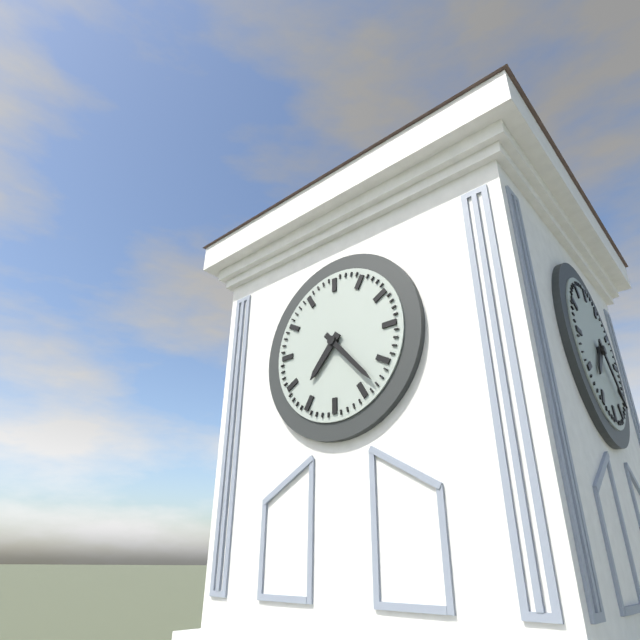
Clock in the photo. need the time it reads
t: 7:23
